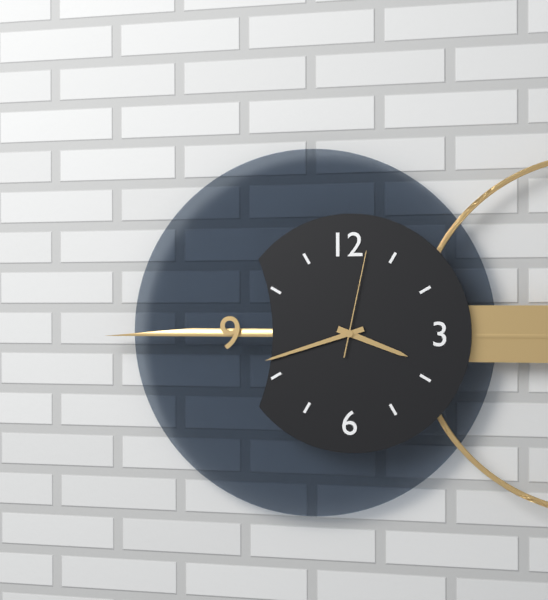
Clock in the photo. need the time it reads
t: 3:42:02
